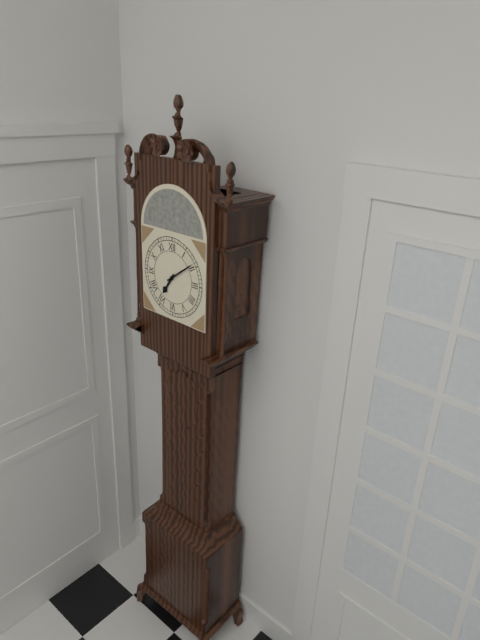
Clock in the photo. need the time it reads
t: 7:09
